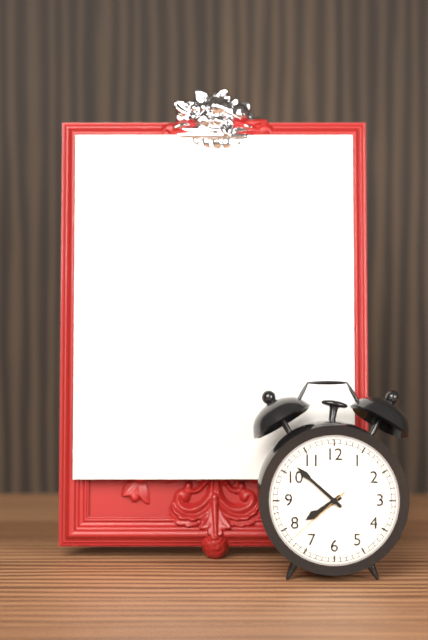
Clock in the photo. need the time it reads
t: 7:52:38
